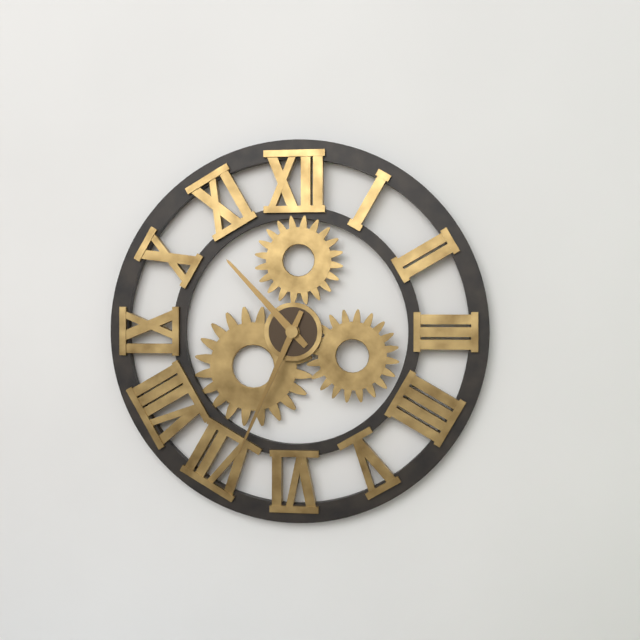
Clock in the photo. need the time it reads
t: 10:34
